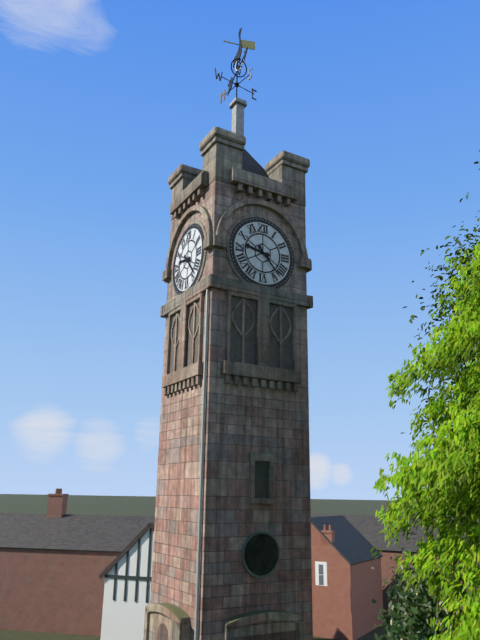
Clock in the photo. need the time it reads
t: 9:23
